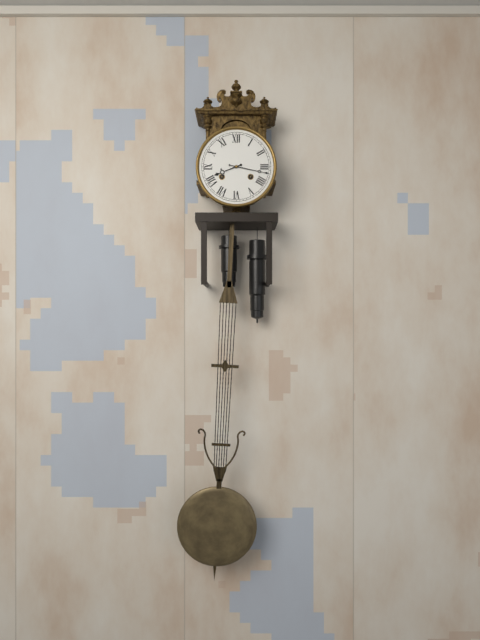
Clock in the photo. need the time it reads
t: 8:17
